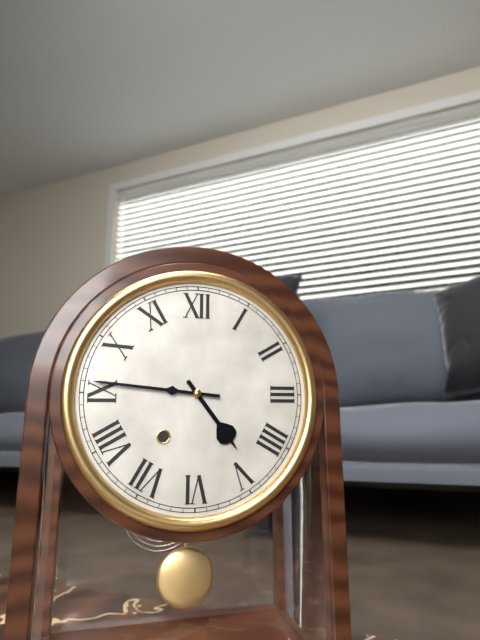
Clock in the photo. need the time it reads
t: 4:46
